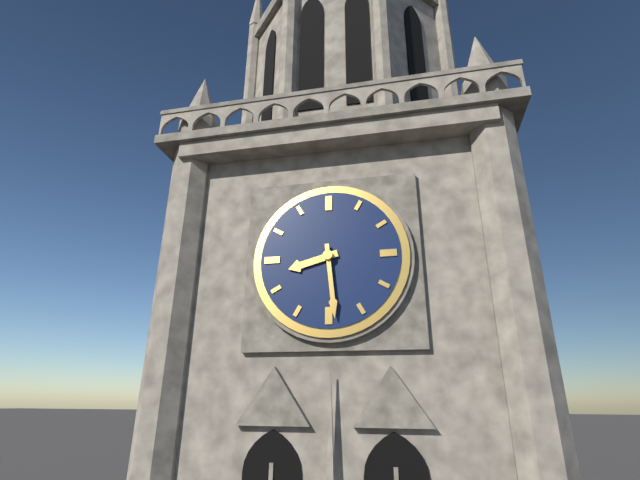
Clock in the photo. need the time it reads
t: 8:29
